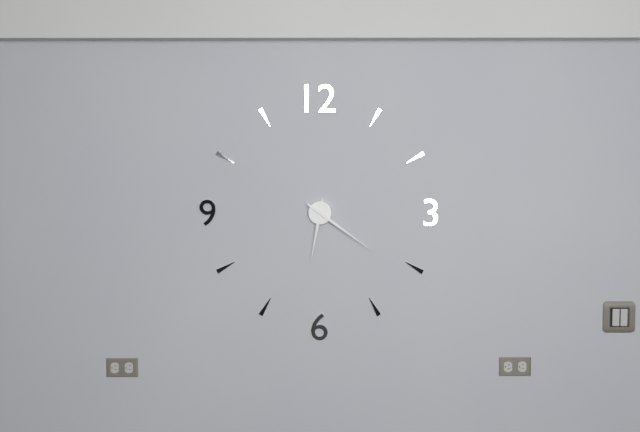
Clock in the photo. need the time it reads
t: 6:21
